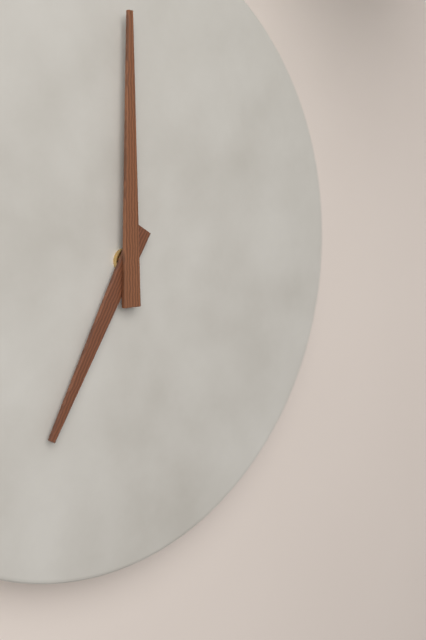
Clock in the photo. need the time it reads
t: 7:00
